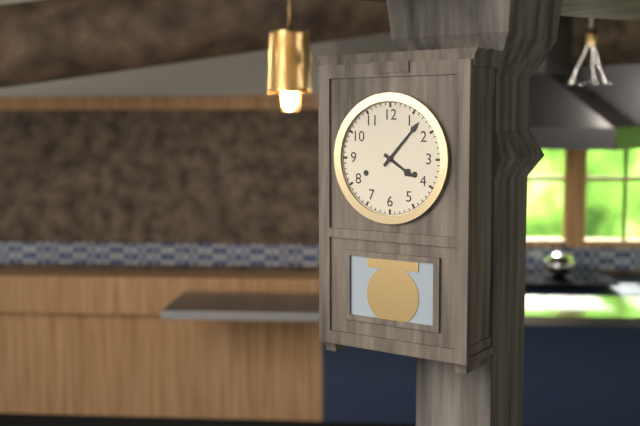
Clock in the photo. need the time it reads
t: 4:07
